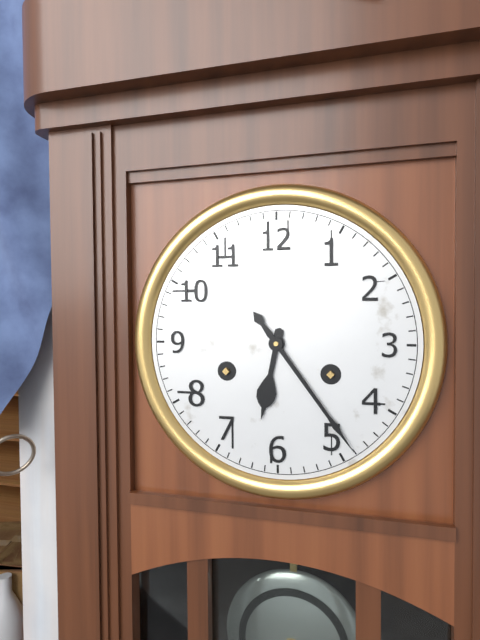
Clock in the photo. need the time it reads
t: 6:24
